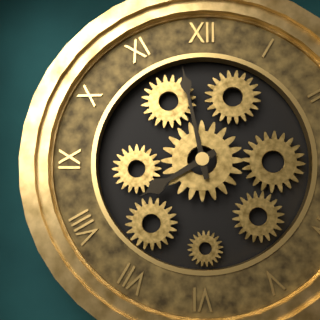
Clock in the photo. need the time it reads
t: 7:58
